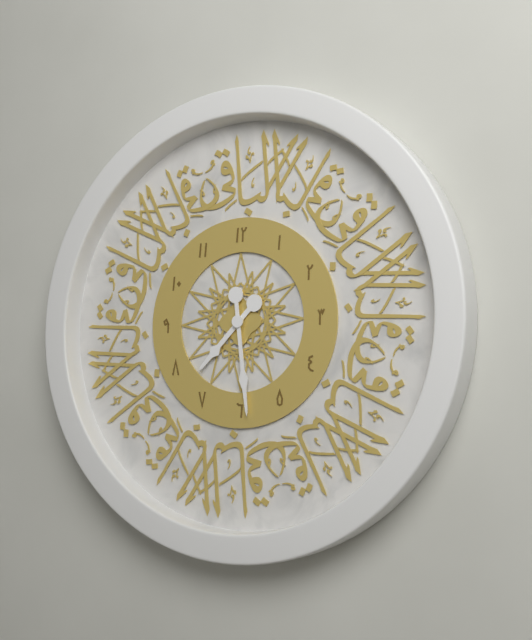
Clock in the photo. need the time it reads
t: 7:29
